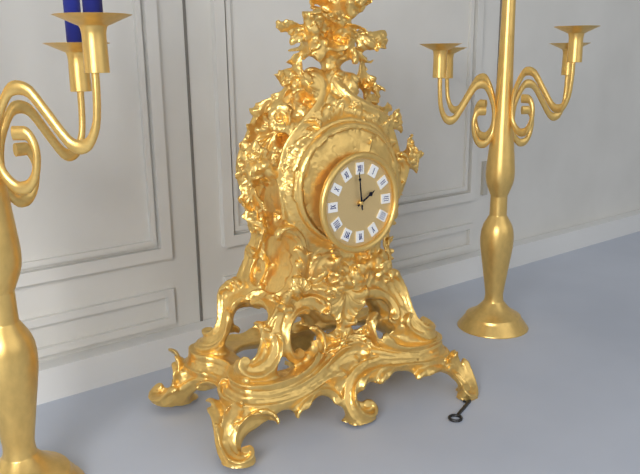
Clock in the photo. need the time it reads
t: 1:59
